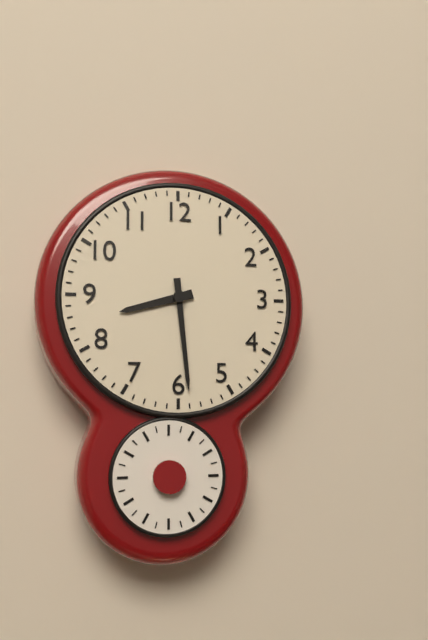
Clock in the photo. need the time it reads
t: 8:29
